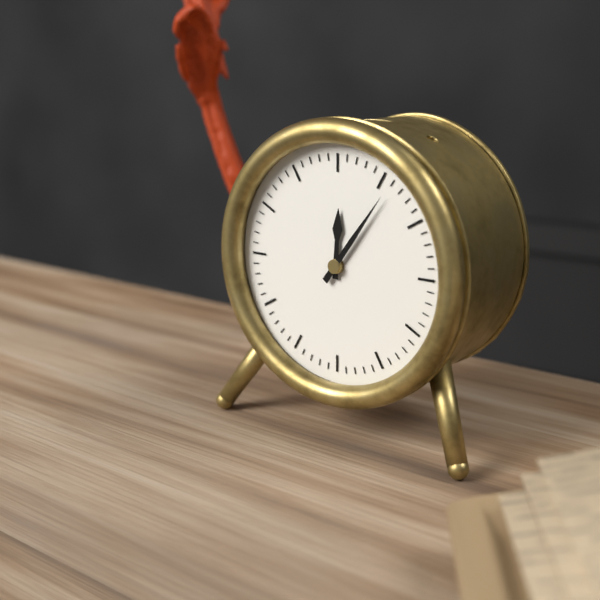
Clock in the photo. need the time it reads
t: 12:06
